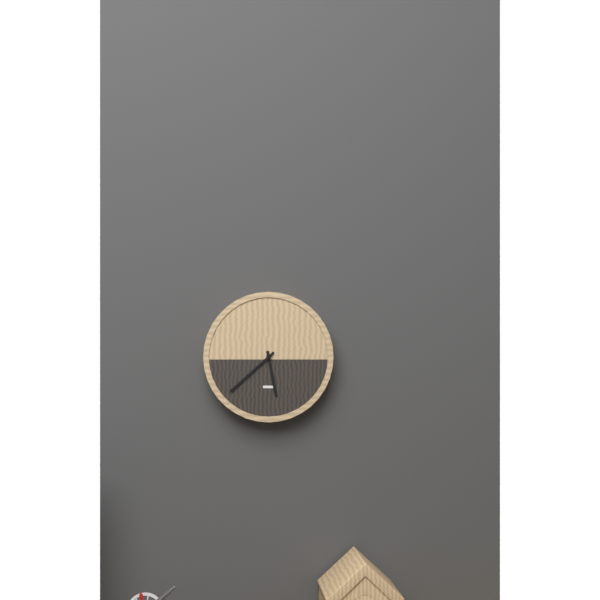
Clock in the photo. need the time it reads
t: 5:38
